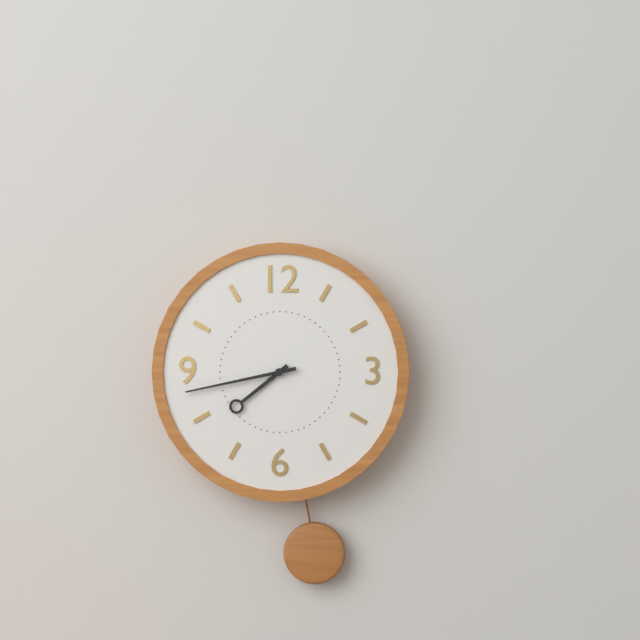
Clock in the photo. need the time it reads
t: 7:43
